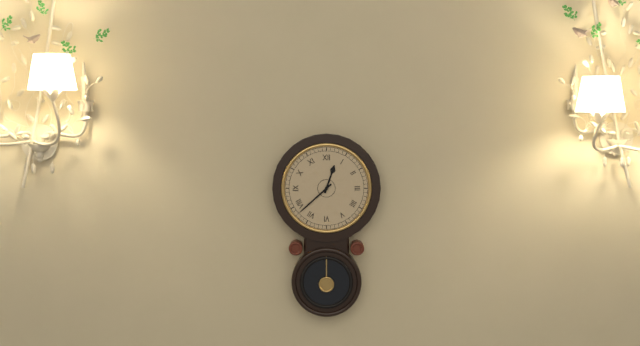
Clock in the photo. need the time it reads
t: 12:38
